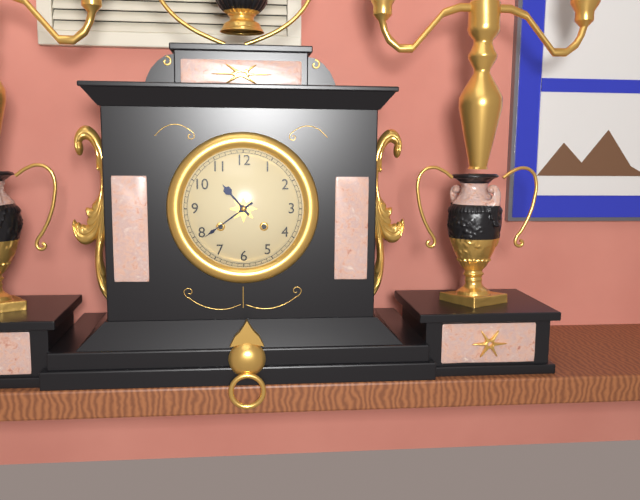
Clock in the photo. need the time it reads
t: 10:39
